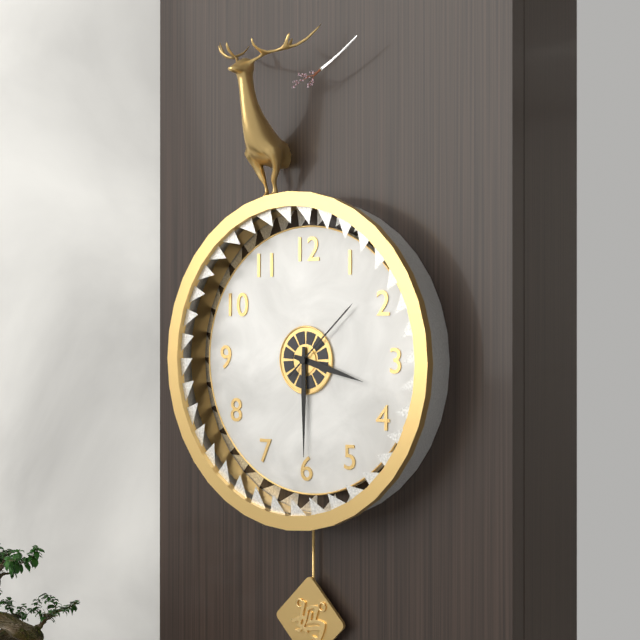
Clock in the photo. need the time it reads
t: 3:30:08
